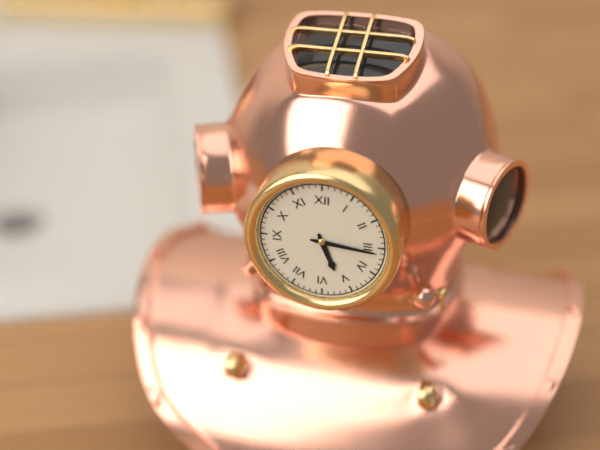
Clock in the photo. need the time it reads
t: 5:16
